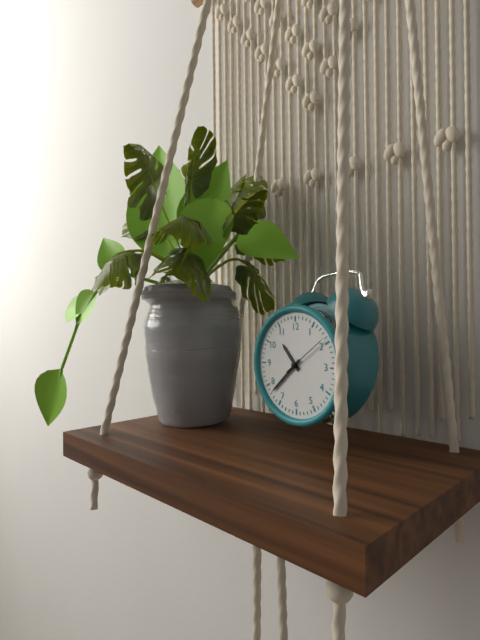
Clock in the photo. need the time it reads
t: 10:38:09
